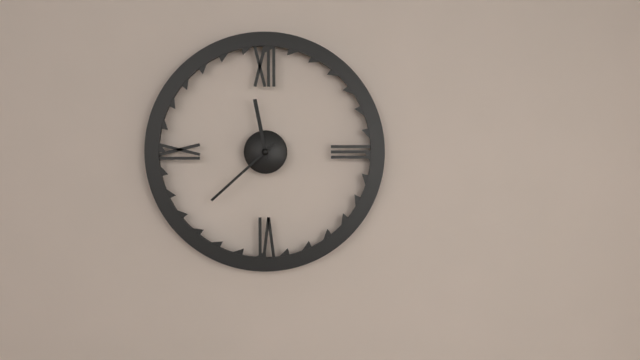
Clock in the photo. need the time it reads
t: 11:38
